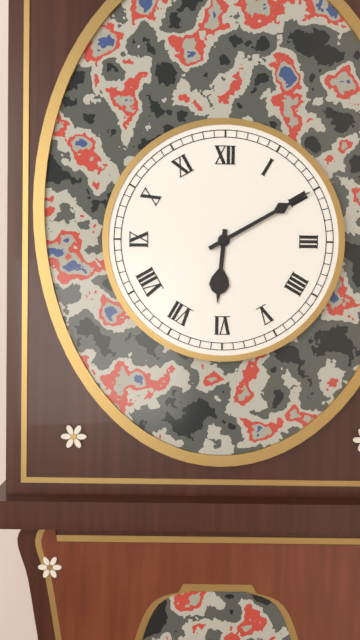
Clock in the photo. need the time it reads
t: 6:10
